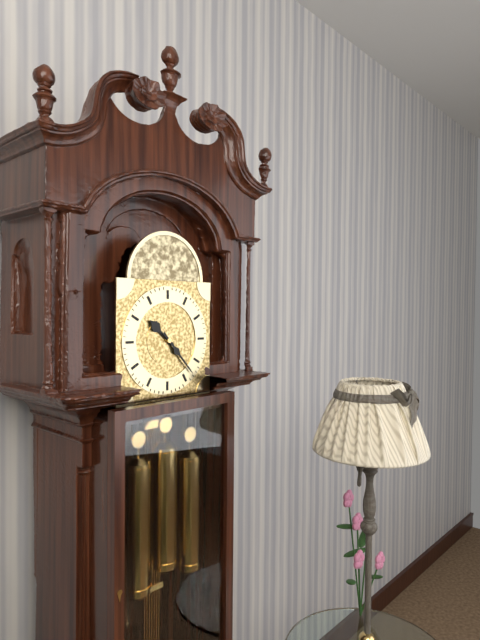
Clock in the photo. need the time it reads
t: 10:23
